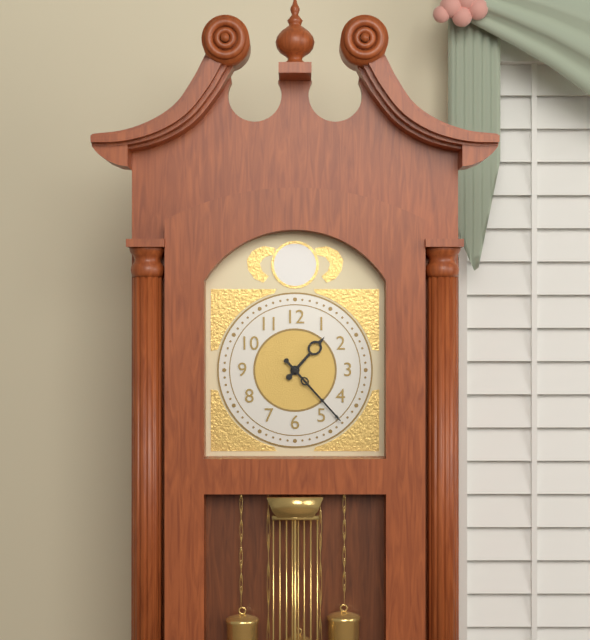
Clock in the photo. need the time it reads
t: 1:23
